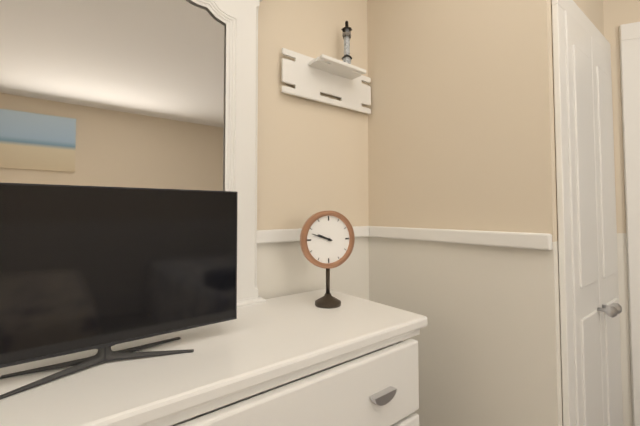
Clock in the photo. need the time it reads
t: 9:48
